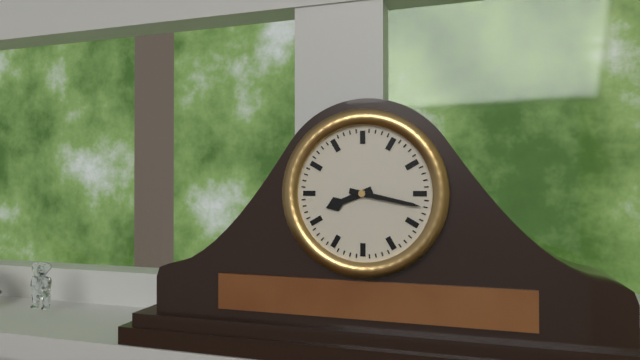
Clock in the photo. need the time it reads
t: 8:17
